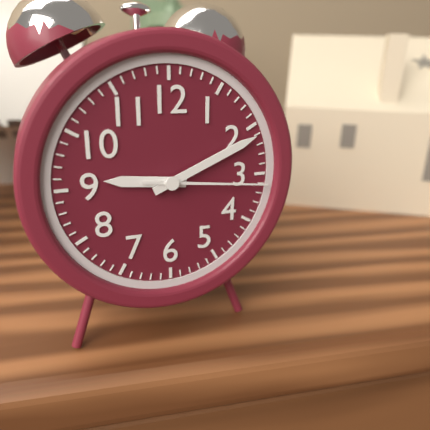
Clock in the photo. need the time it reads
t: 9:11:16
